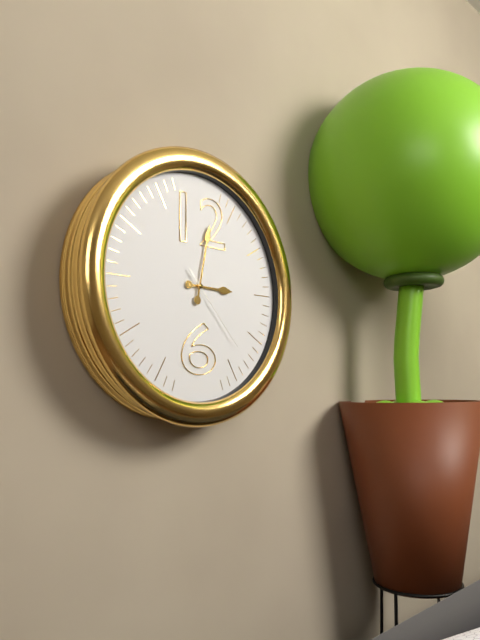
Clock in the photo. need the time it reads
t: 3:02:23
